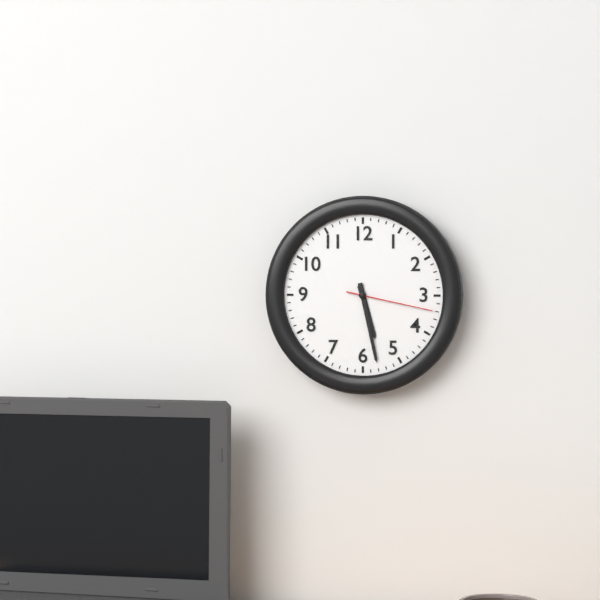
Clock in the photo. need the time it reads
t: 5:28:17
